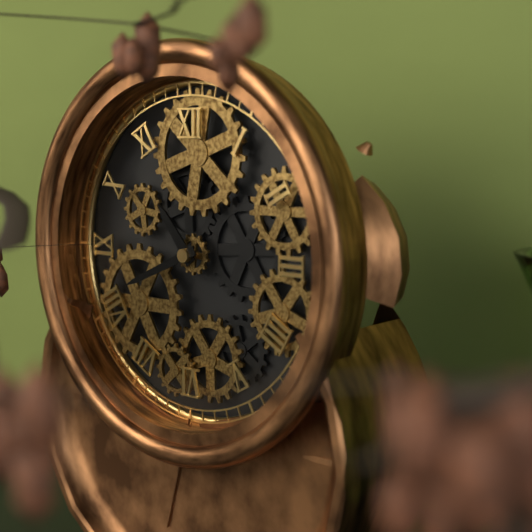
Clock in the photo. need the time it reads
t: 10:41
